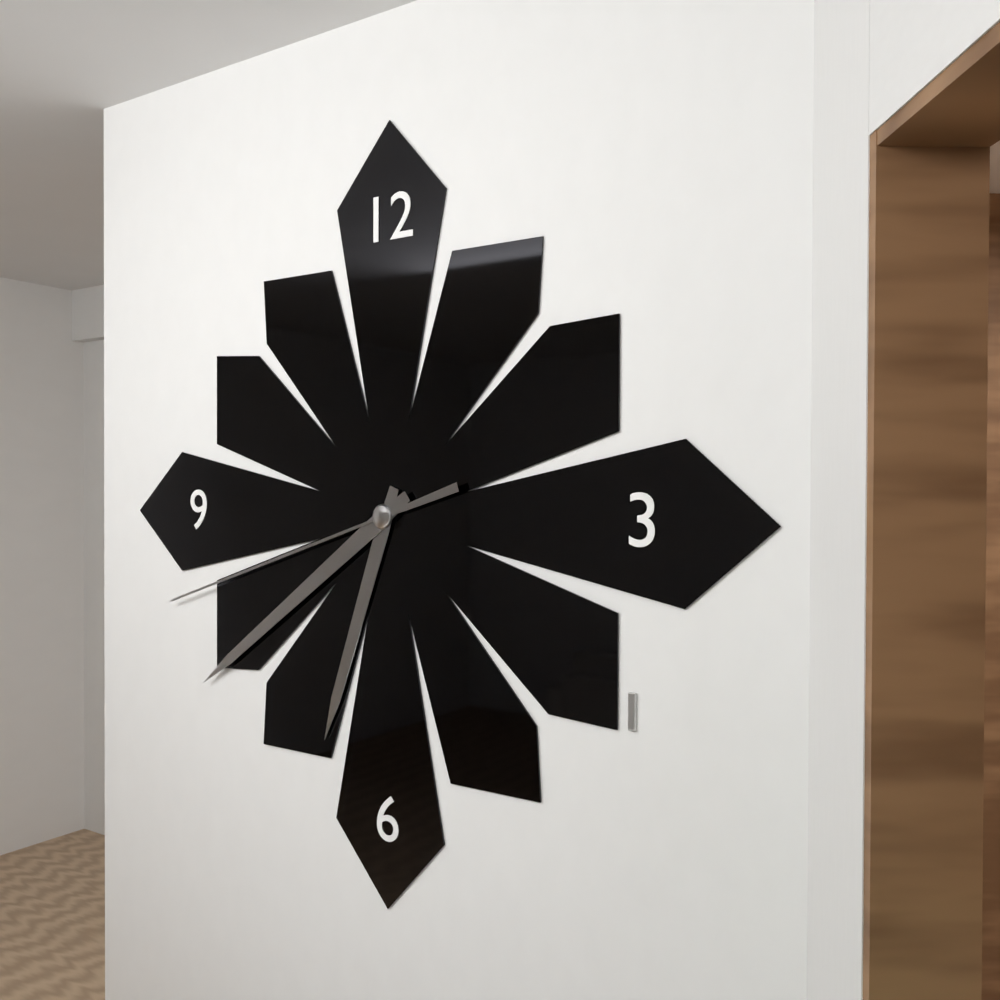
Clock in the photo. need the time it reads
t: 6:39:42
